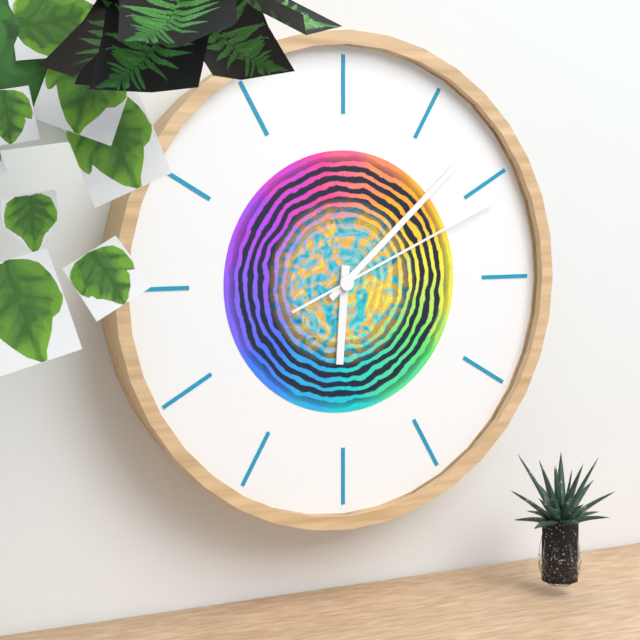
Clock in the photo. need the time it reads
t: 6:08:11
